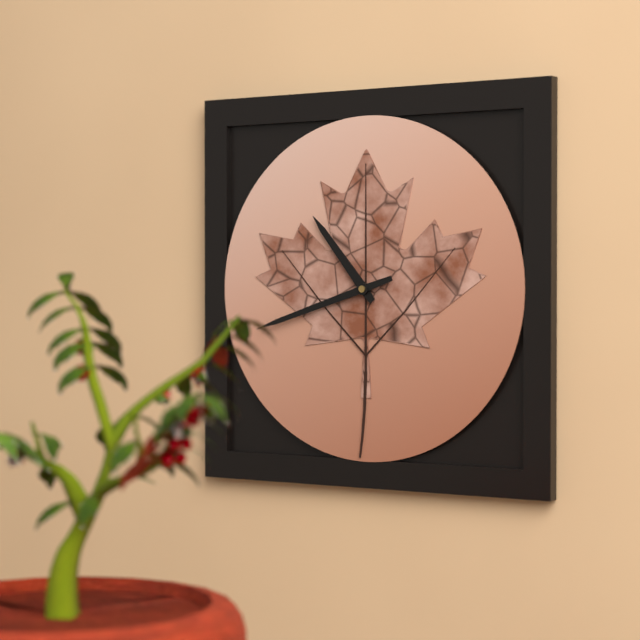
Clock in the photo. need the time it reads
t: 10:42
